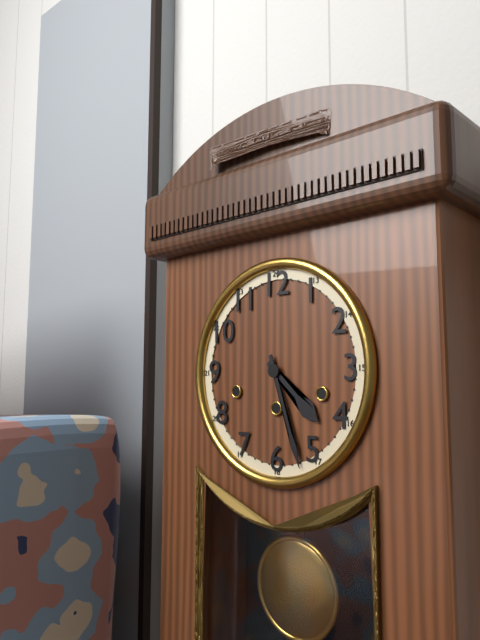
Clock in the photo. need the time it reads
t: 4:27
